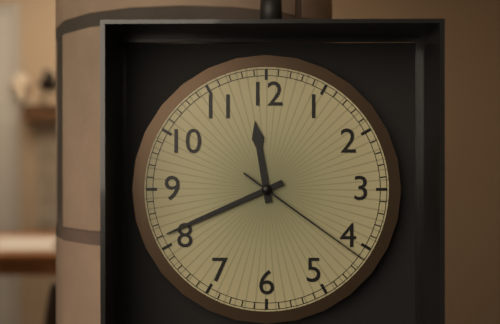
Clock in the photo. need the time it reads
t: 11:41:21
